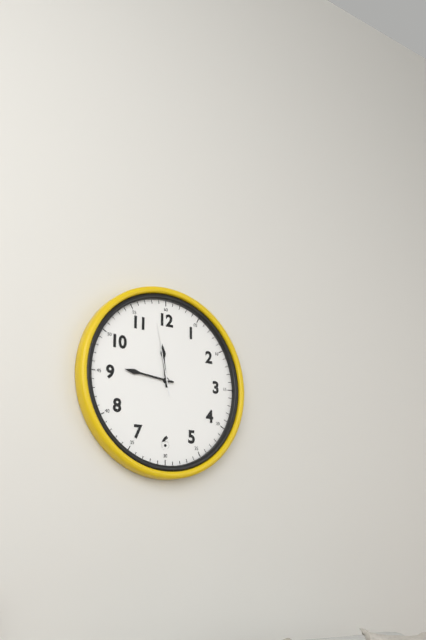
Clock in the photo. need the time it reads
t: 11:46:58
